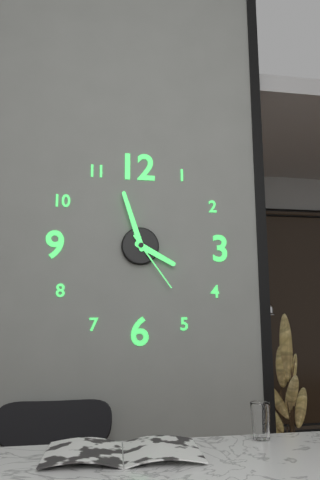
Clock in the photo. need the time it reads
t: 3:57:24
